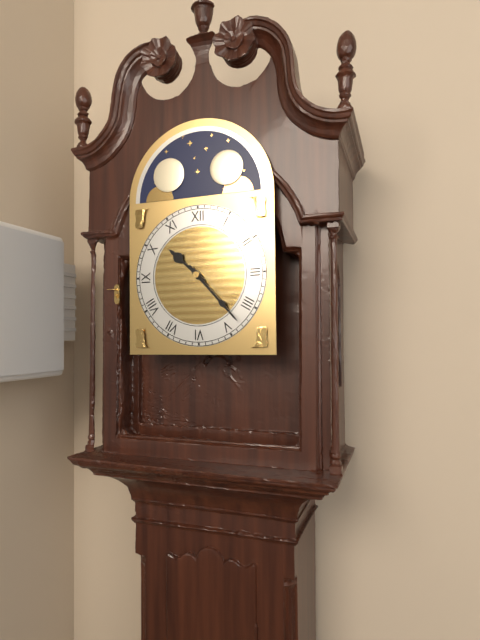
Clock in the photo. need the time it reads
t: 10:23
